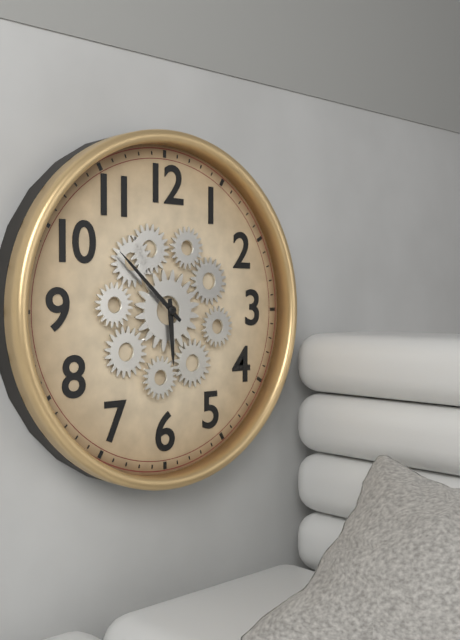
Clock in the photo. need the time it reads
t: 5:52
